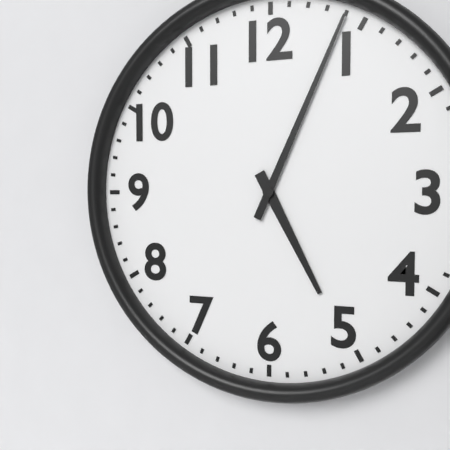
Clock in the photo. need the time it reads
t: 5:04
